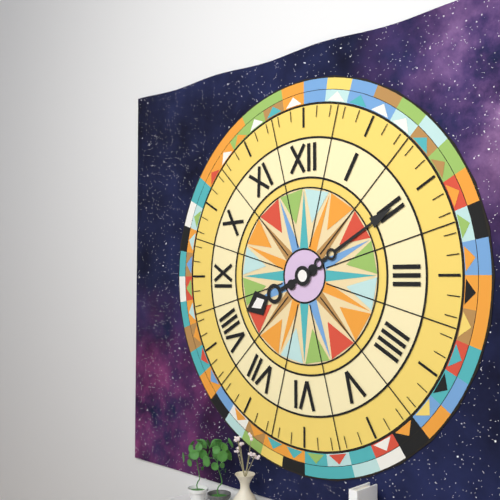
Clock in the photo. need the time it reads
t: 8:10
